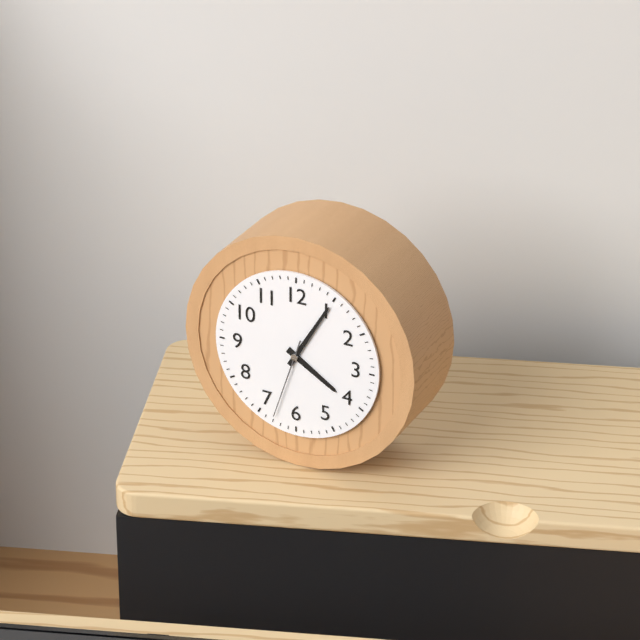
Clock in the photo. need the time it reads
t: 4:05:33
